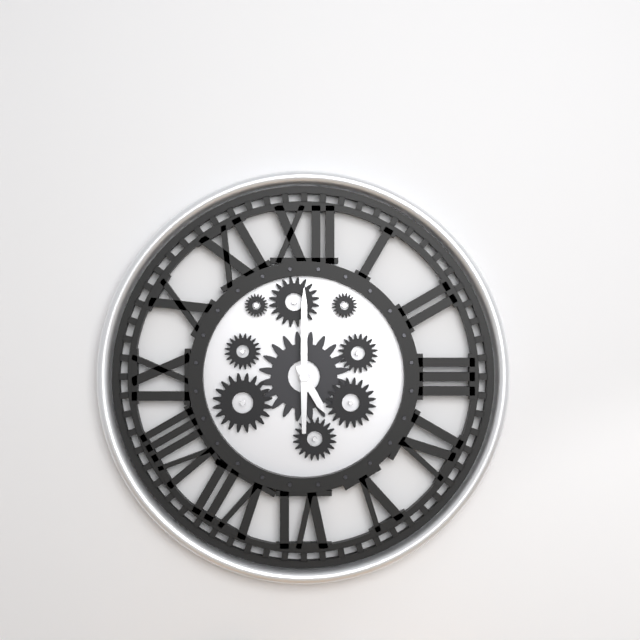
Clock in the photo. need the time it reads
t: 5:00
